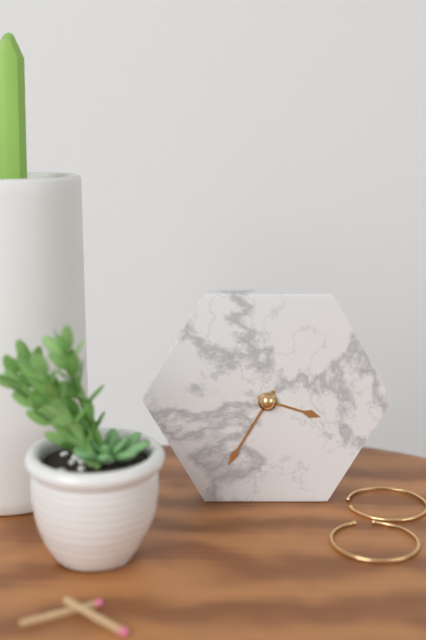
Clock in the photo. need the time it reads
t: 3:35
